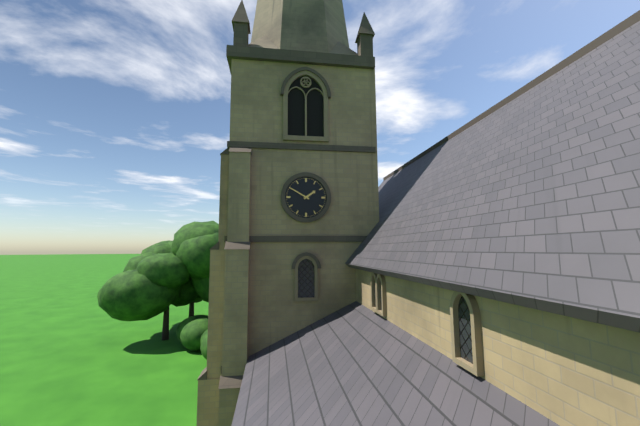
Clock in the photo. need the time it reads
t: 1:50
